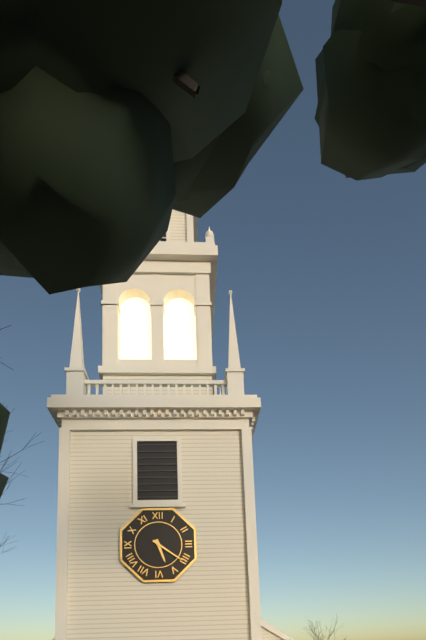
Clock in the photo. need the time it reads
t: 5:21
